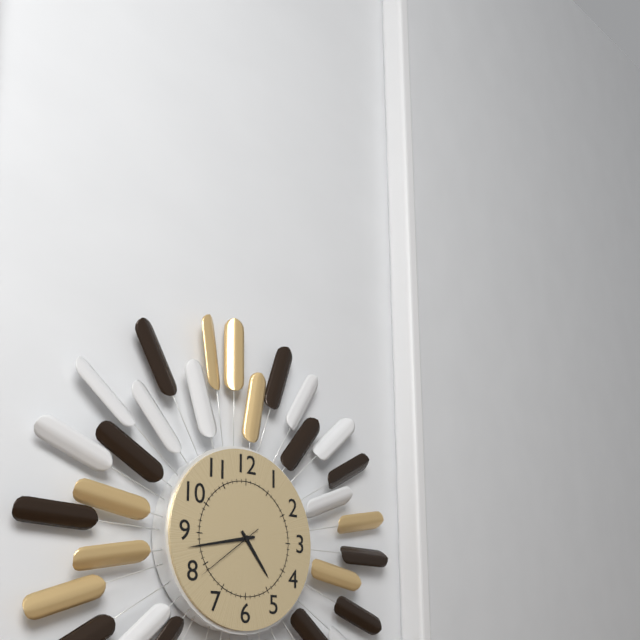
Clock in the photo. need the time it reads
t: 4:43:39
